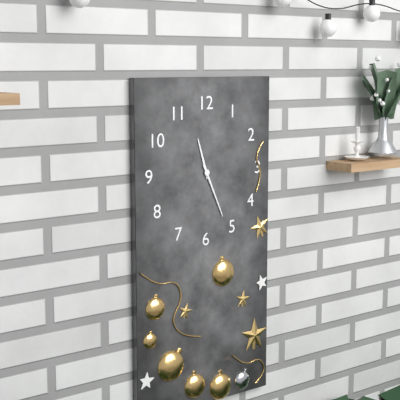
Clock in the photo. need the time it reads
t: 11:26
